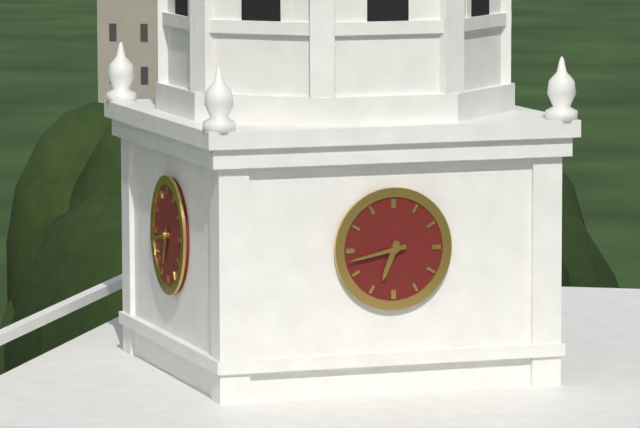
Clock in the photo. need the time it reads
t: 6:43
